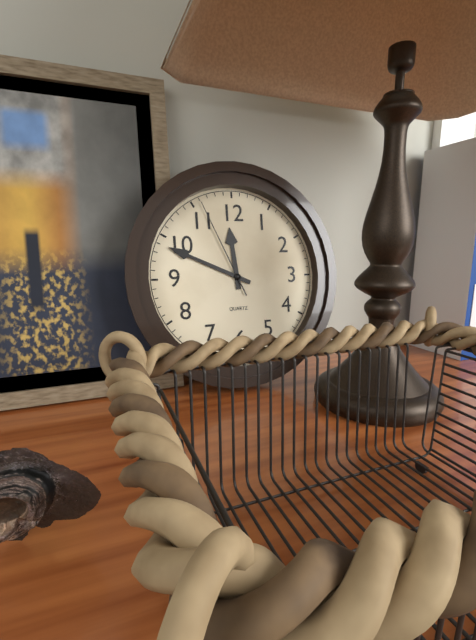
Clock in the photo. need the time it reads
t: 11:49:56
